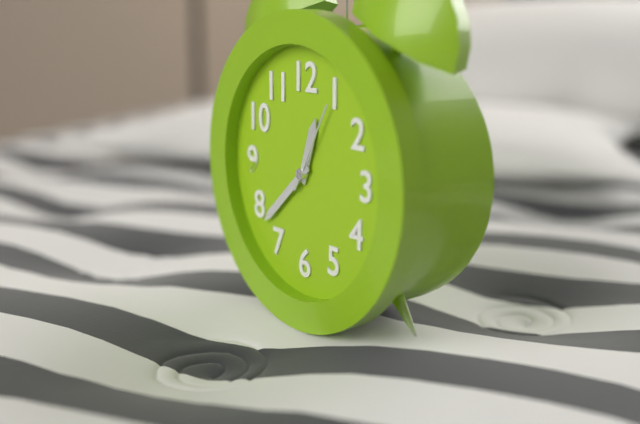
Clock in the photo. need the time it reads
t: 12:38:05
